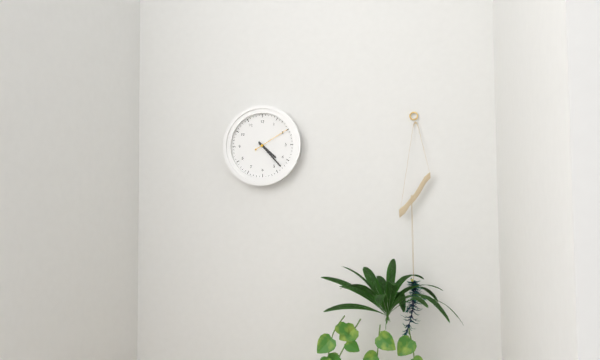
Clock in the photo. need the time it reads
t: 4:23
